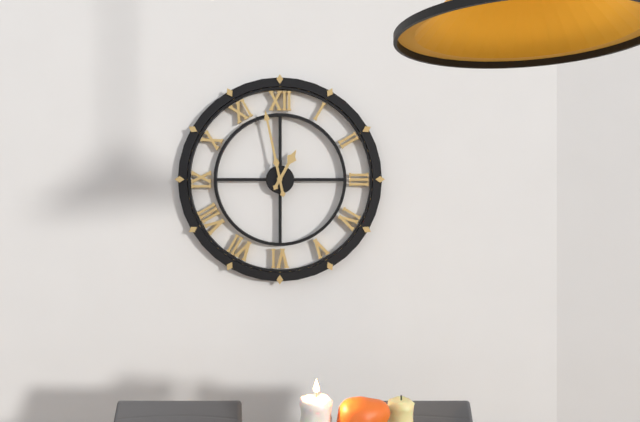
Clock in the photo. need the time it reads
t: 12:58
